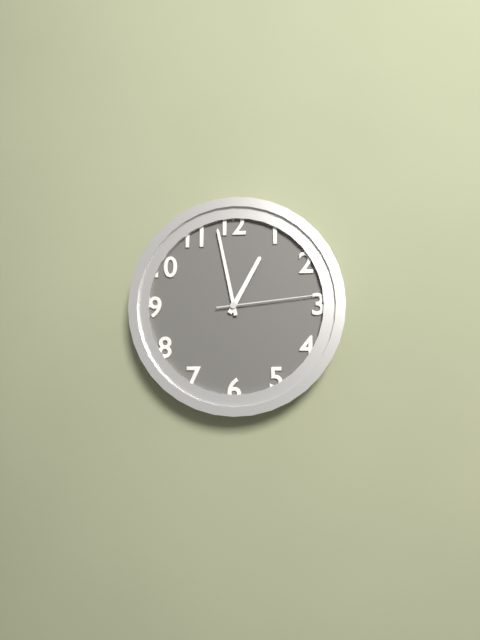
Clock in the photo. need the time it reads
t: 12:58:14
